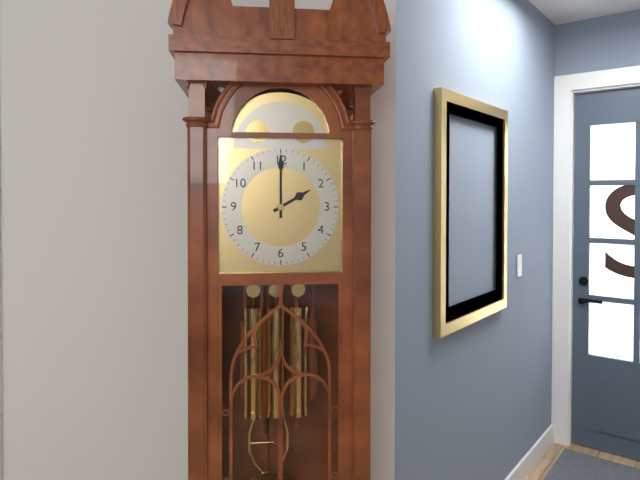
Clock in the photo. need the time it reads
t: 2:00
